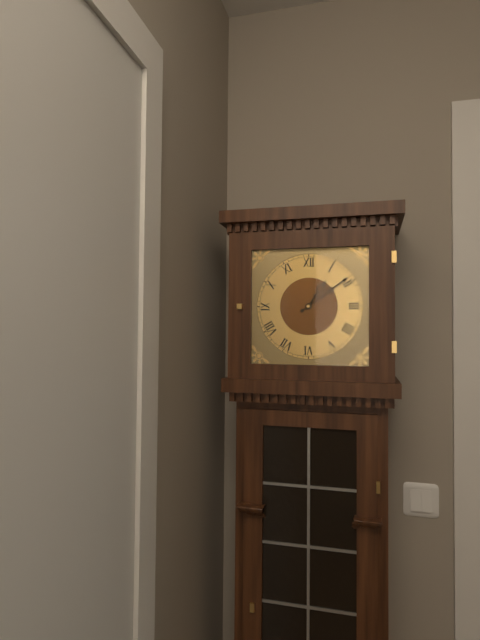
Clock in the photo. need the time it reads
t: 1:09
